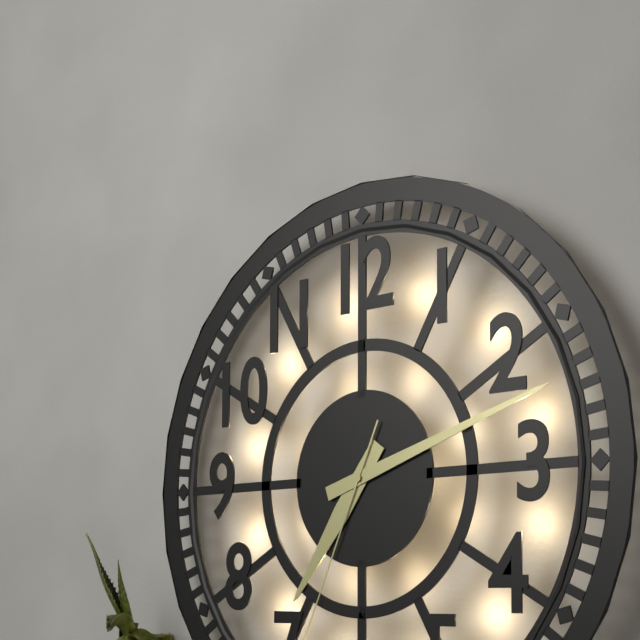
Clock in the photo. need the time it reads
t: 7:12
